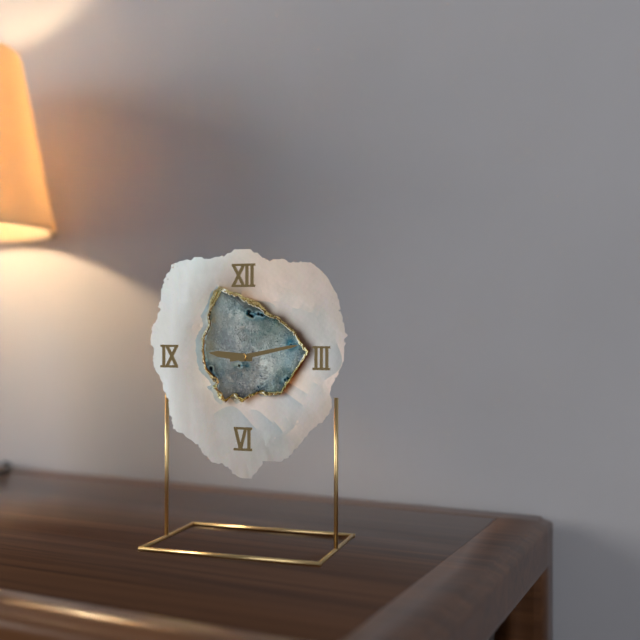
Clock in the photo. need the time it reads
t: 9:13
